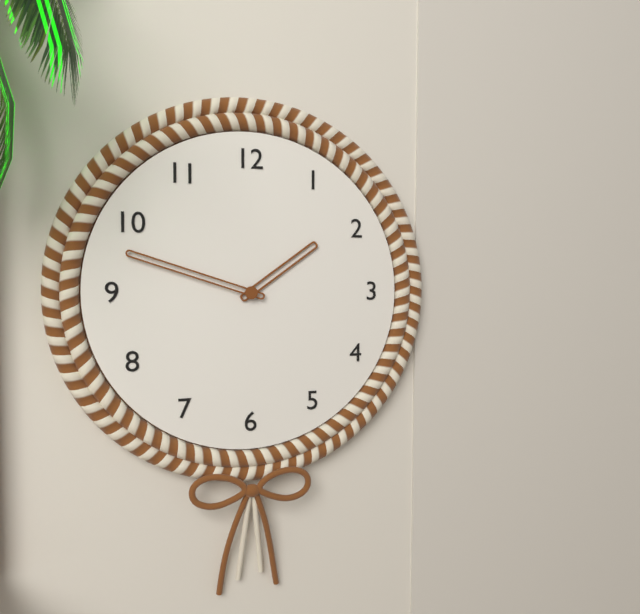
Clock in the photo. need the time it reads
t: 1:48
